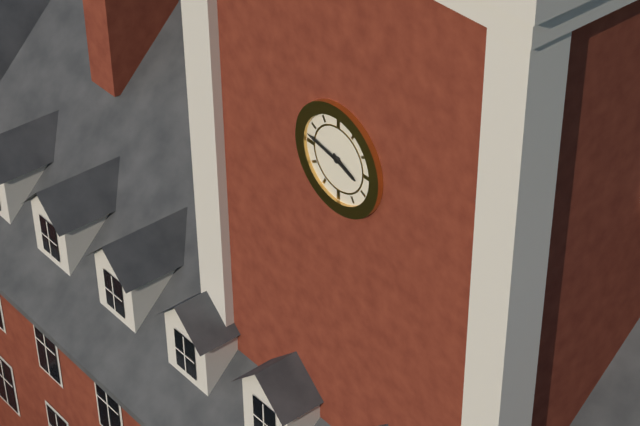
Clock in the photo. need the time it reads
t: 3:47
